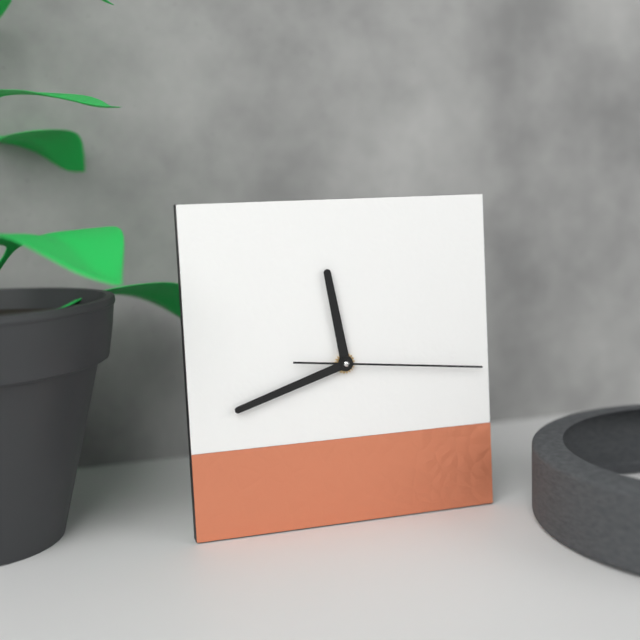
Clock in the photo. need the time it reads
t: 11:42:16
